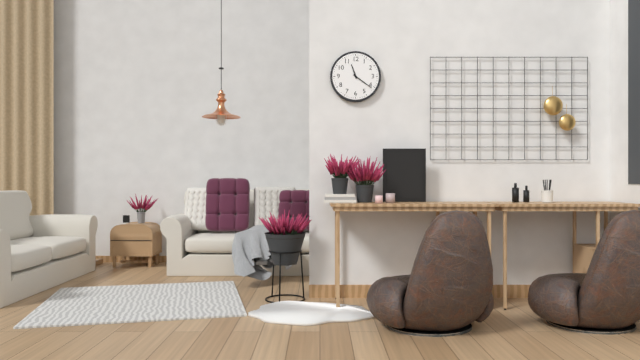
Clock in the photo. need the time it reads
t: 11:21
